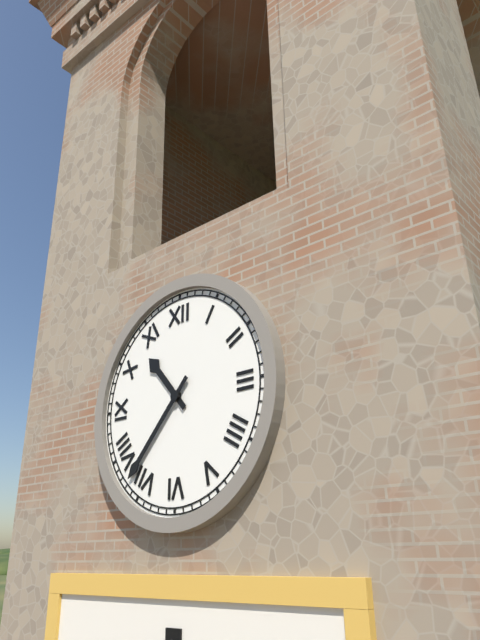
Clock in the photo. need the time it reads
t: 10:37
